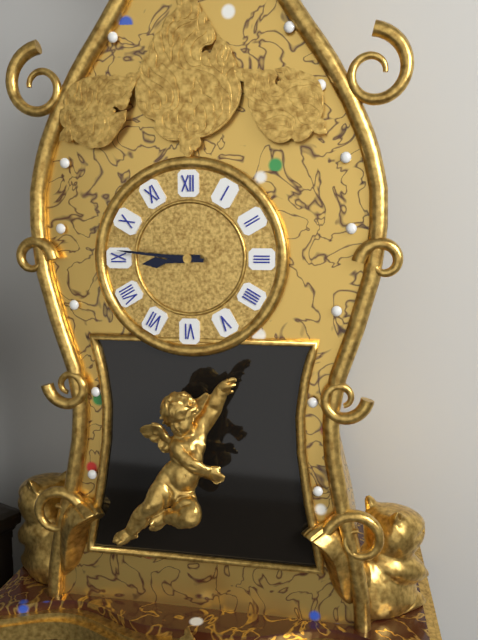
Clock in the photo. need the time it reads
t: 8:46
